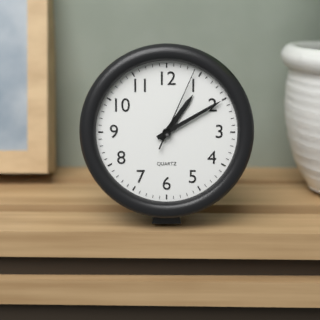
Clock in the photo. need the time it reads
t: 1:10:04
